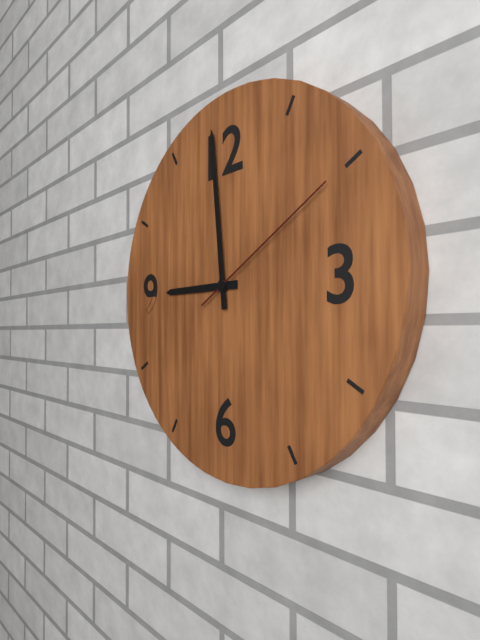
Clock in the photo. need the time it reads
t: 8:59:10
